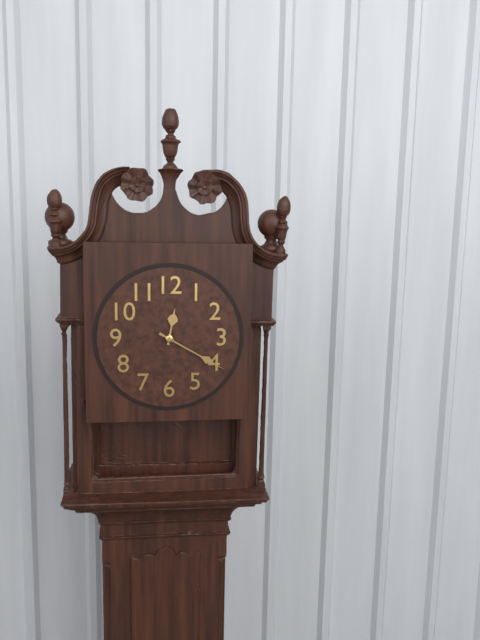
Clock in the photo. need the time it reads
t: 12:20
